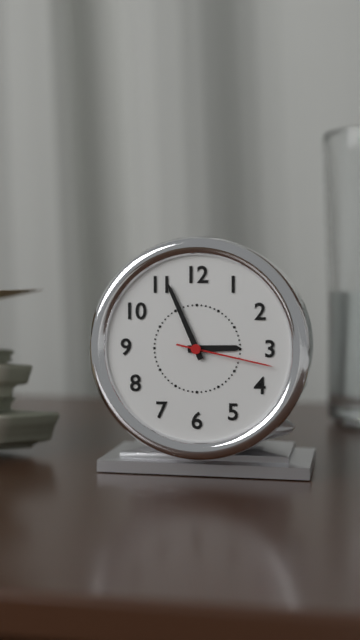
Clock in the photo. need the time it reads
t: 2:56:17
